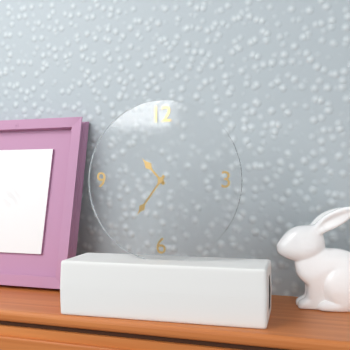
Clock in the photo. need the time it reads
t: 10:36
